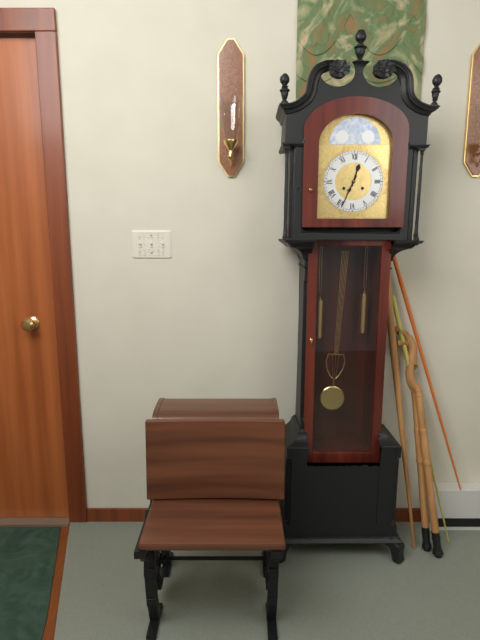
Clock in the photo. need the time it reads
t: 12:34
